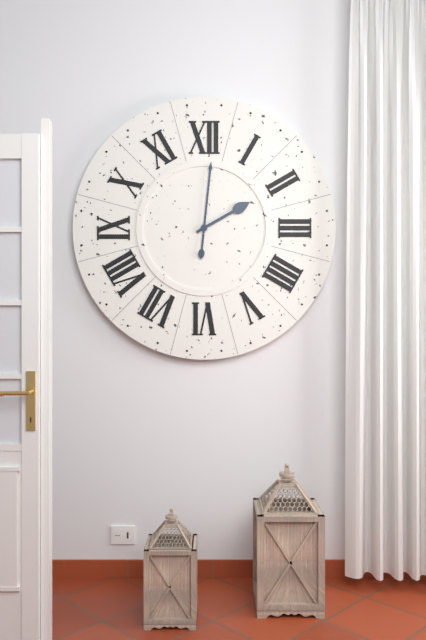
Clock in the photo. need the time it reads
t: 2:01
